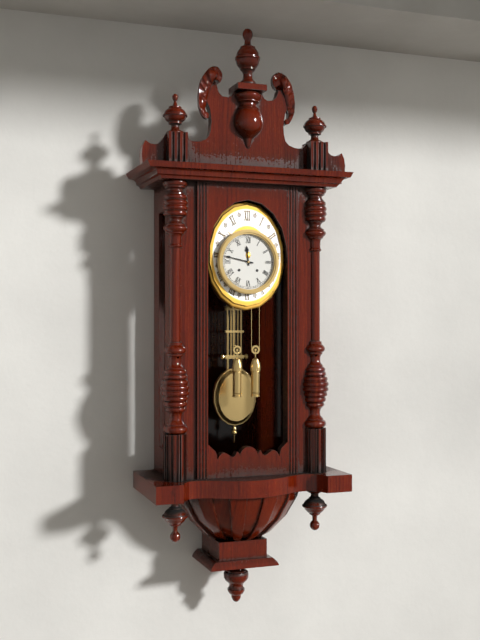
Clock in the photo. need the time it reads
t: 11:47
